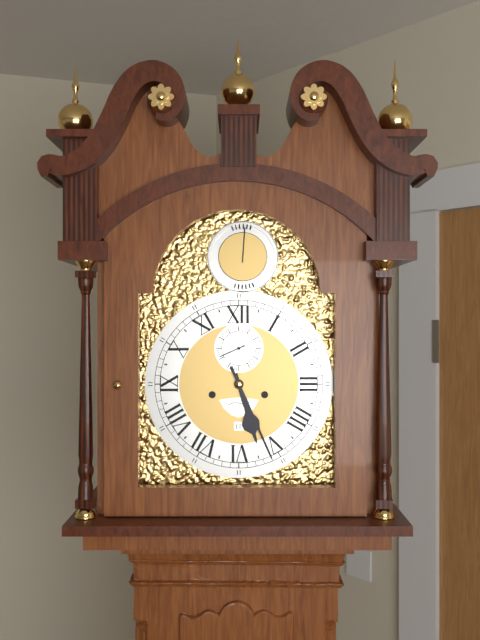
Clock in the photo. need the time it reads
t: 5:26
